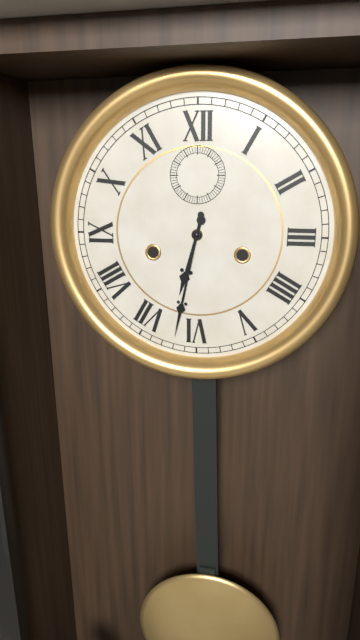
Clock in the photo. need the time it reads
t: 6:32
